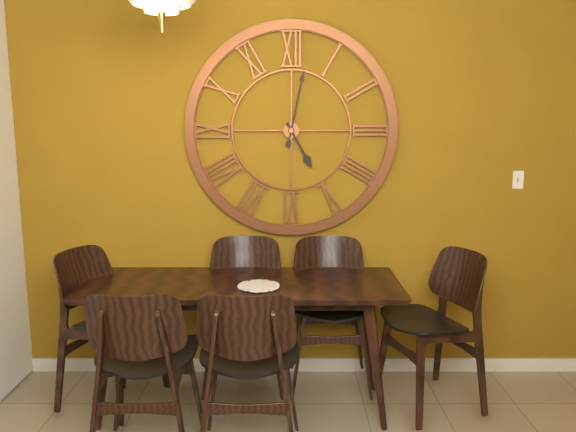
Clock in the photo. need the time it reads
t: 5:02
